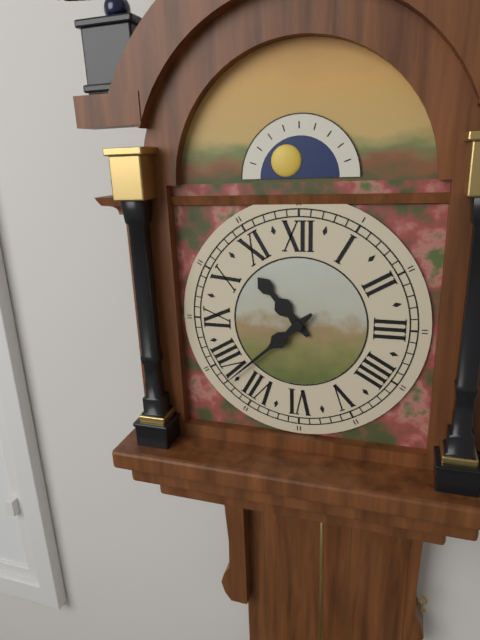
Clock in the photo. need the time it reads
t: 10:38
